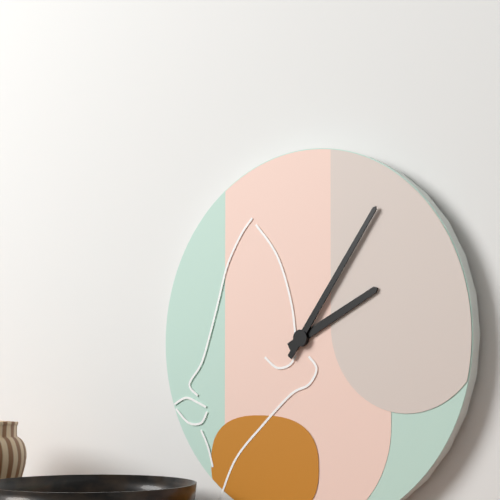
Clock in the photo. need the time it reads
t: 2:06
